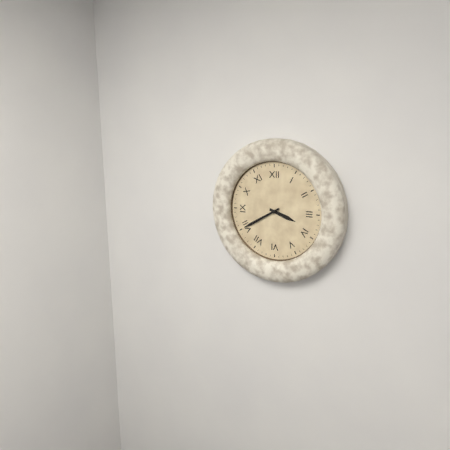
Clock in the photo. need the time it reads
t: 3:40
